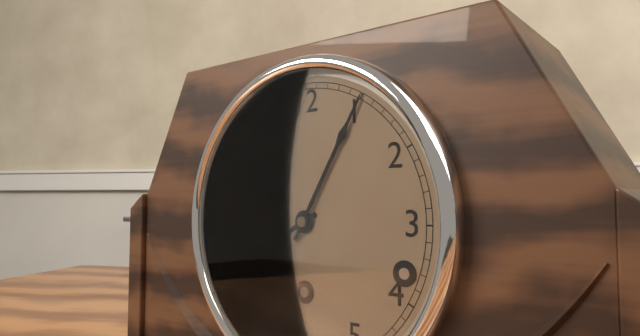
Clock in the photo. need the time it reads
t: 8:05
